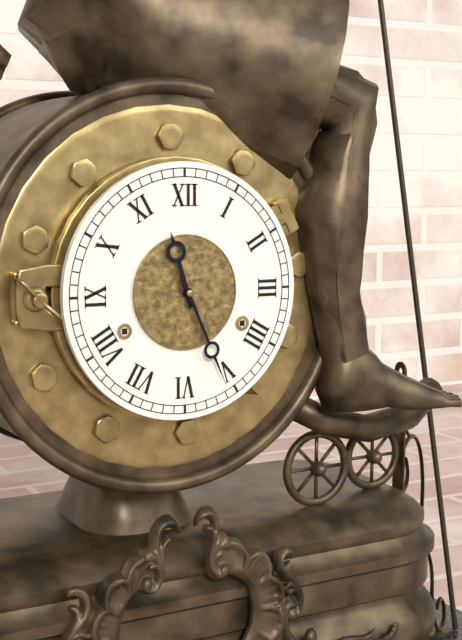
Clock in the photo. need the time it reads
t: 11:26
